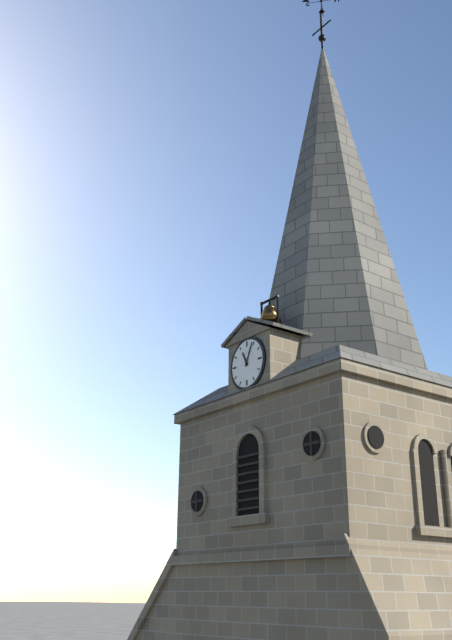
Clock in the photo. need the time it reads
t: 11:04
